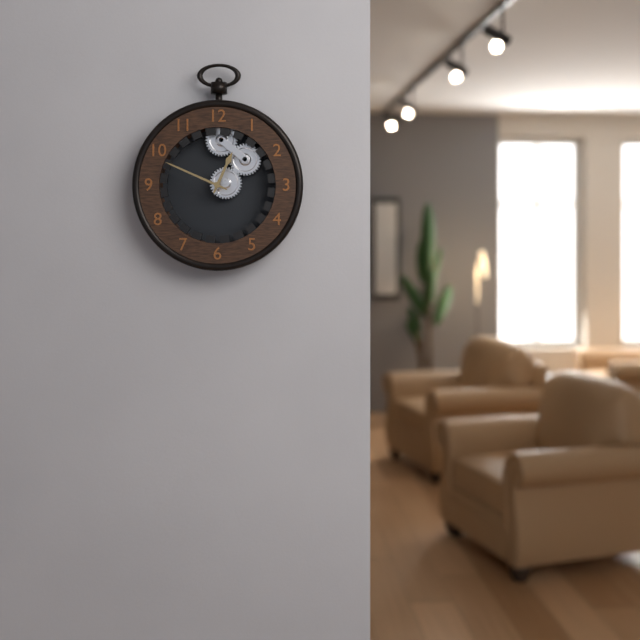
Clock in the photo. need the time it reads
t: 12:49
